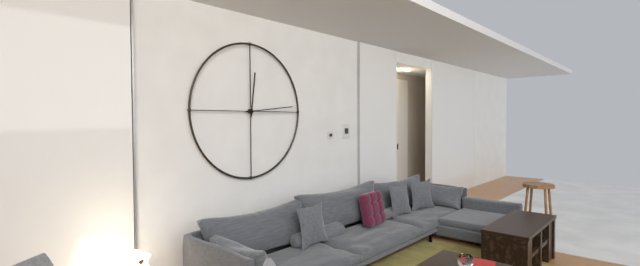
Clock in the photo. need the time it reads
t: 12:14
